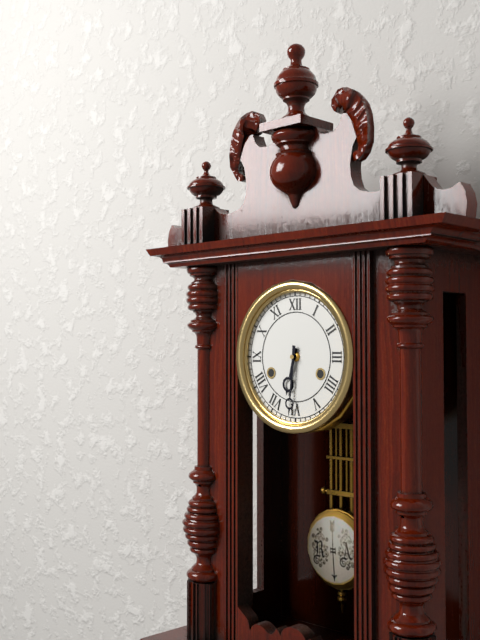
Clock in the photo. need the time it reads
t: 6:31
